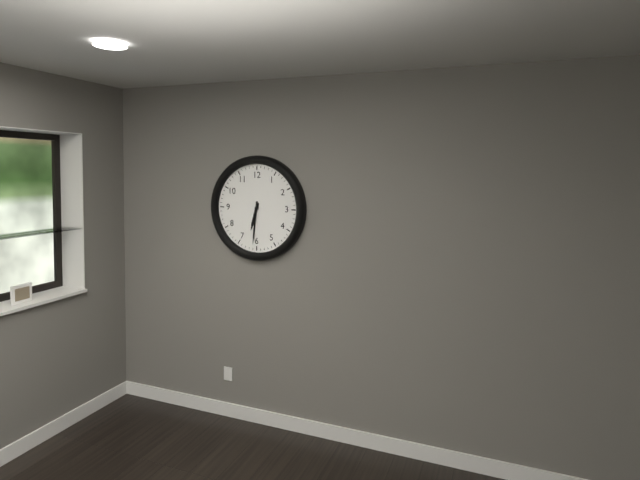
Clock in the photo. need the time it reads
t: 6:31
